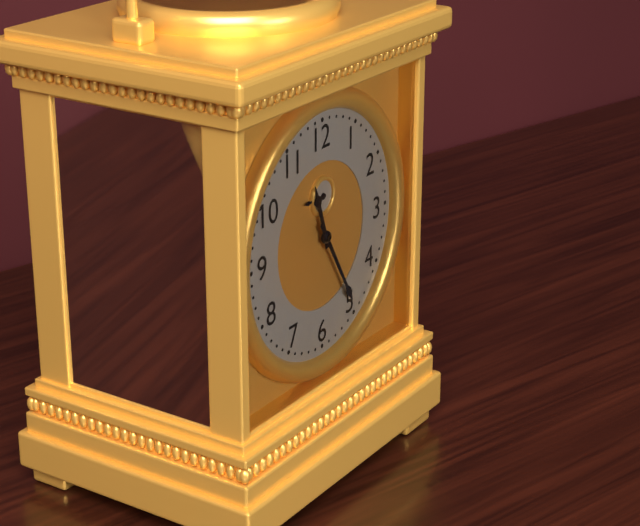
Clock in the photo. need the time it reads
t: 11:25
